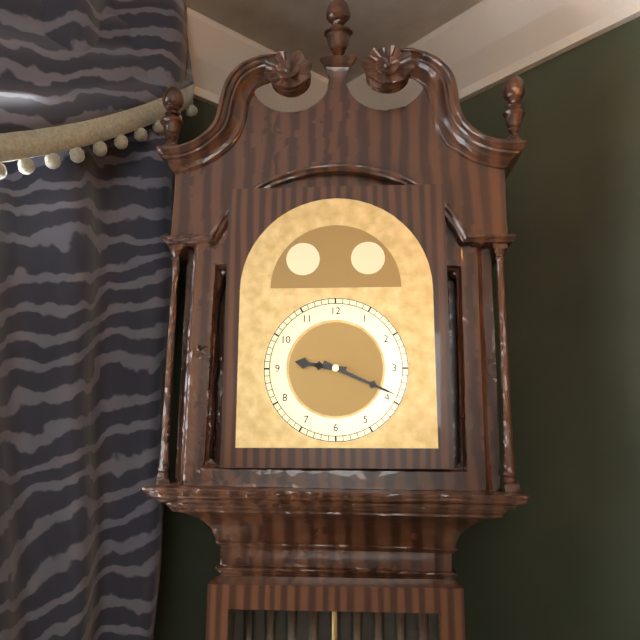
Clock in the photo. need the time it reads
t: 9:19
